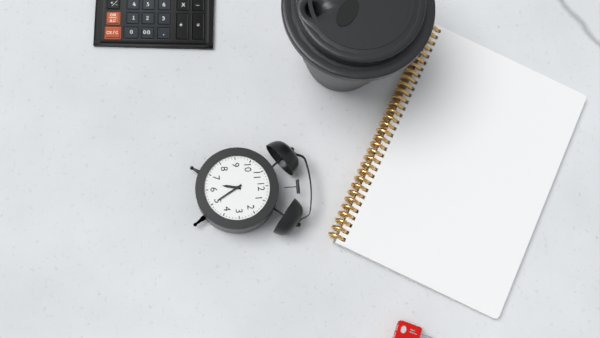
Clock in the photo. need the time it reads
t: 6:25
